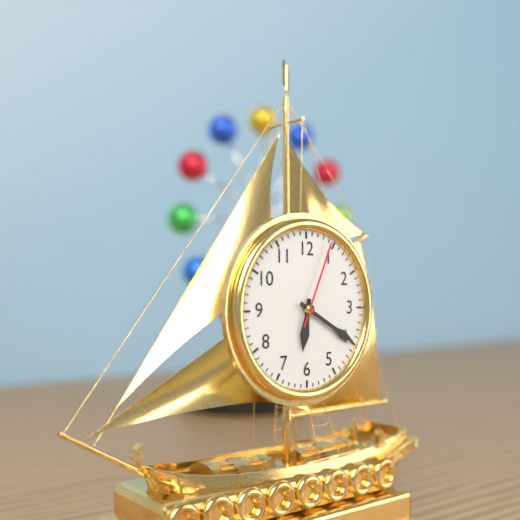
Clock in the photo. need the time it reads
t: 6:20:04
